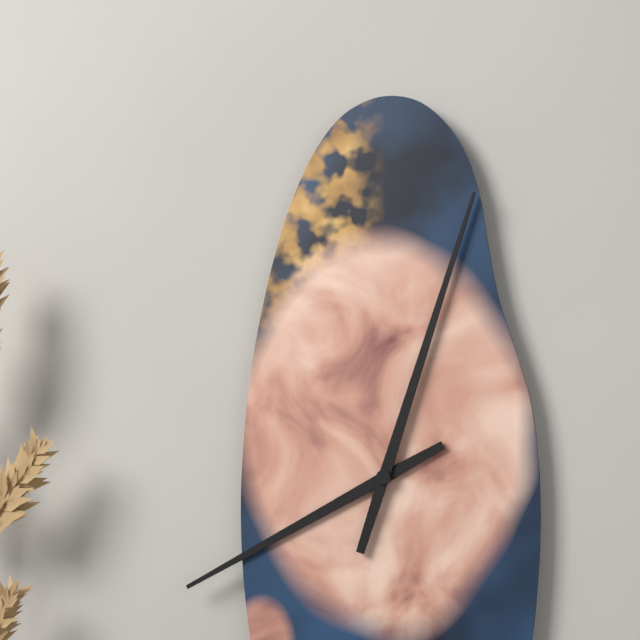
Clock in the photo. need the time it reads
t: 8:03
